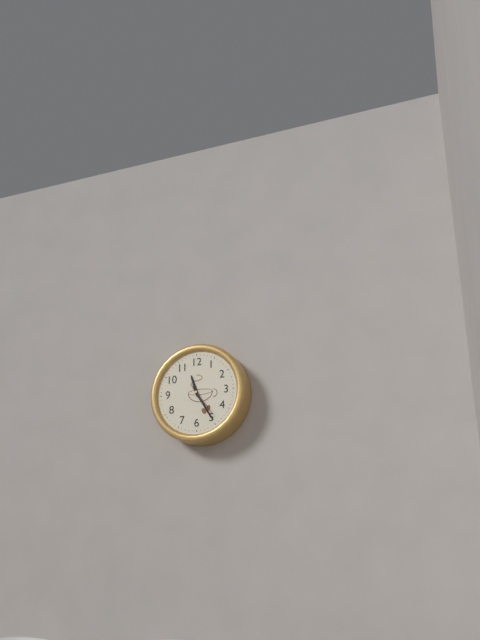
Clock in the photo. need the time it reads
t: 11:25
